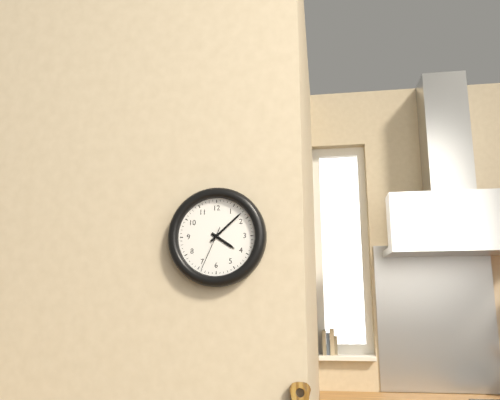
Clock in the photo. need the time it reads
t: 4:08
